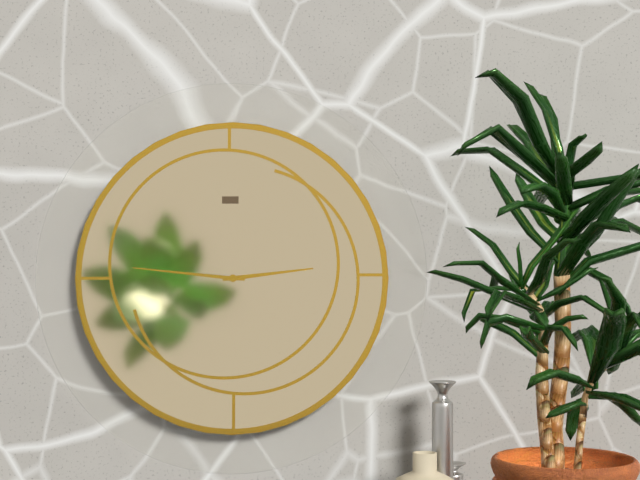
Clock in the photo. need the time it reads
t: 2:46
